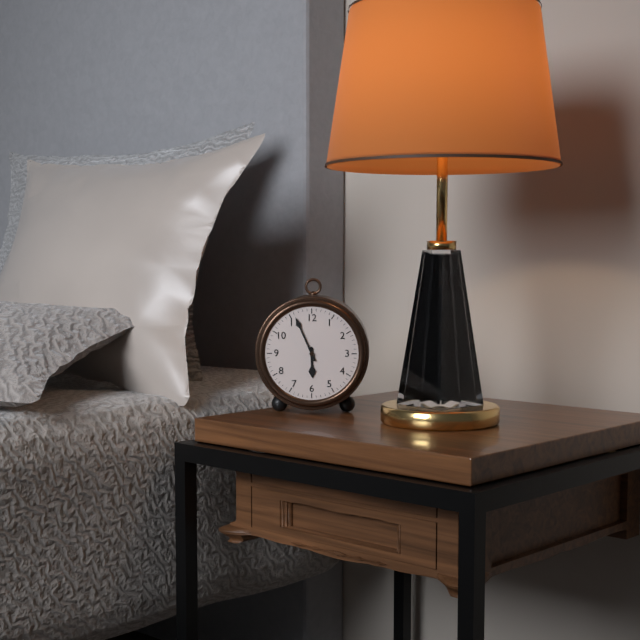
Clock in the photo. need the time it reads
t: 5:56
